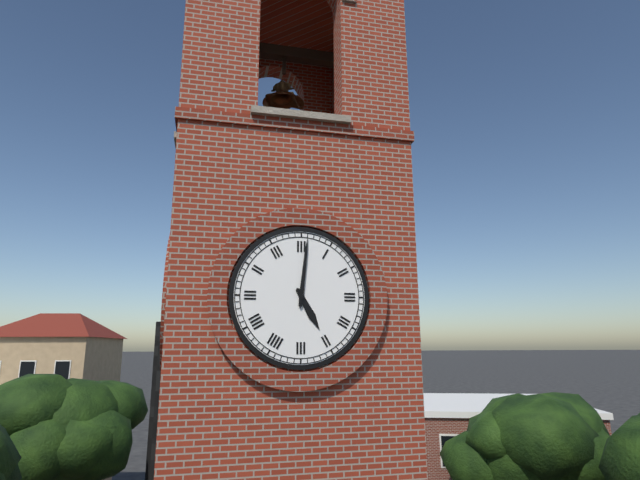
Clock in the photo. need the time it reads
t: 5:01
